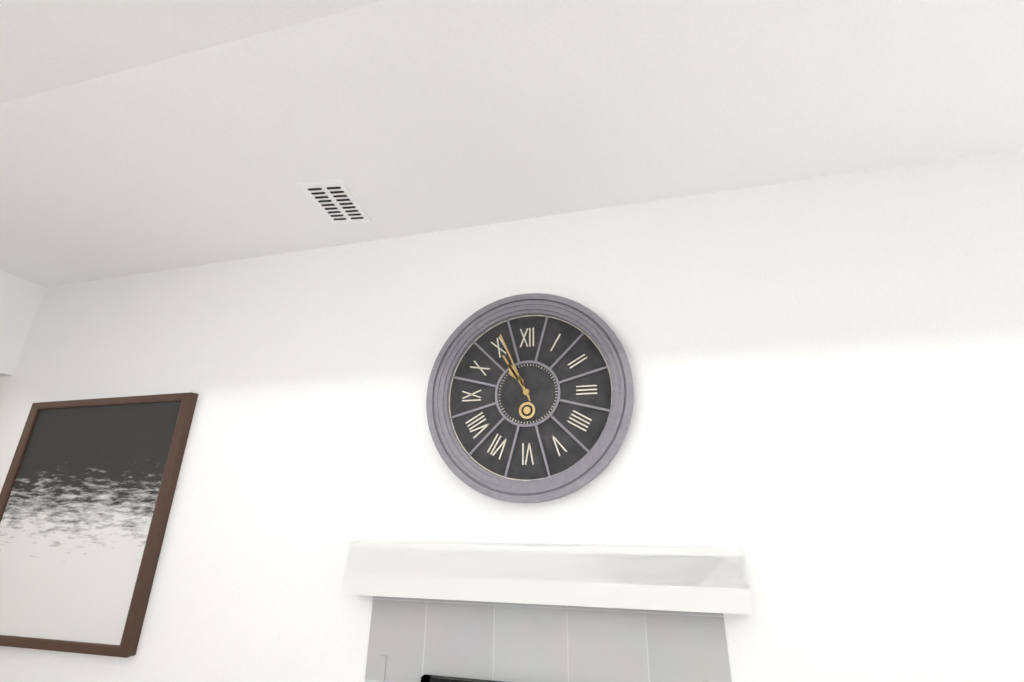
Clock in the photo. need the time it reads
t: 10:56
